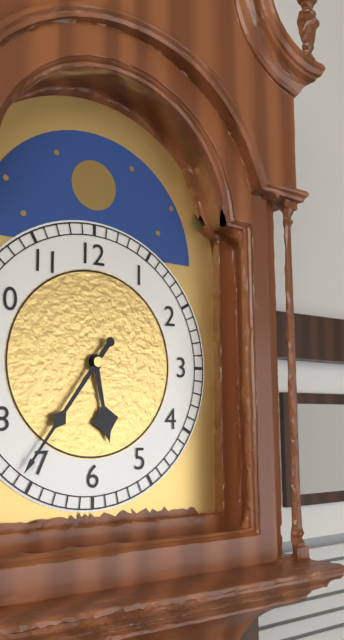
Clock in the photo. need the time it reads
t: 5:36
